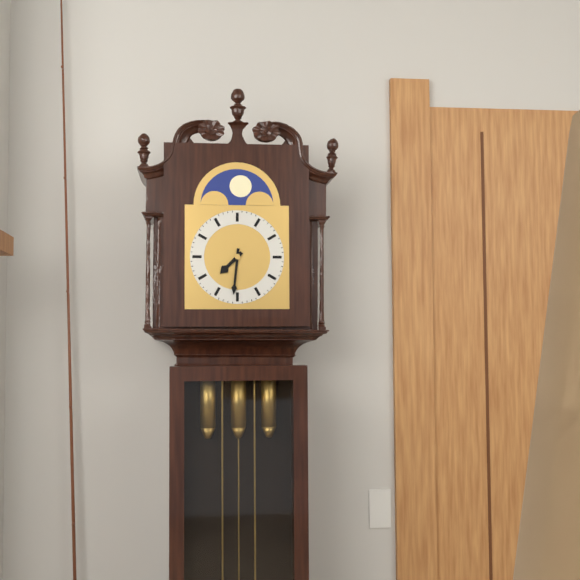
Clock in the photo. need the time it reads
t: 7:31
